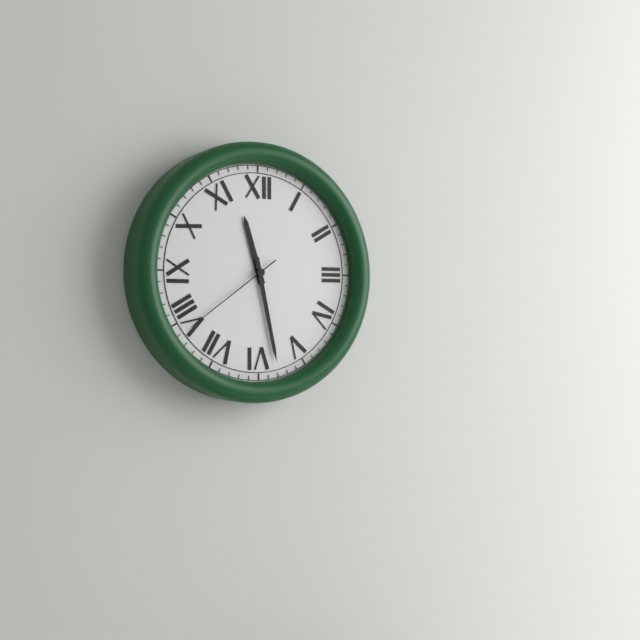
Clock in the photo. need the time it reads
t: 11:28:39
